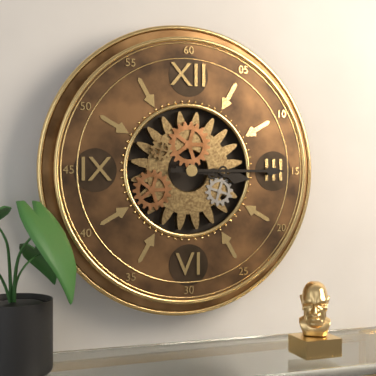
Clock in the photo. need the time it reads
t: 3:15
